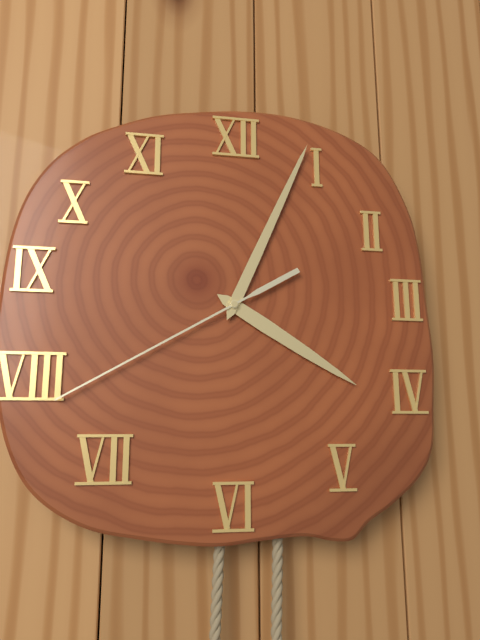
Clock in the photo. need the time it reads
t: 4:04:40
